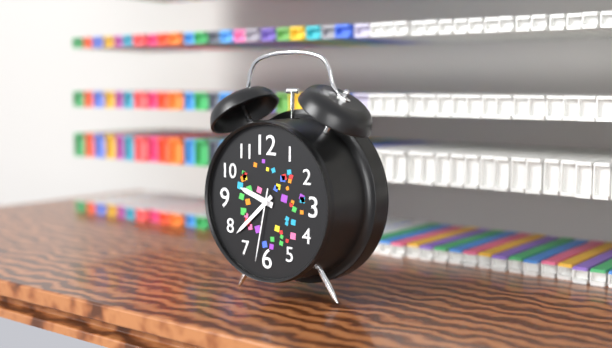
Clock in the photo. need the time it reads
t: 9:38:32
